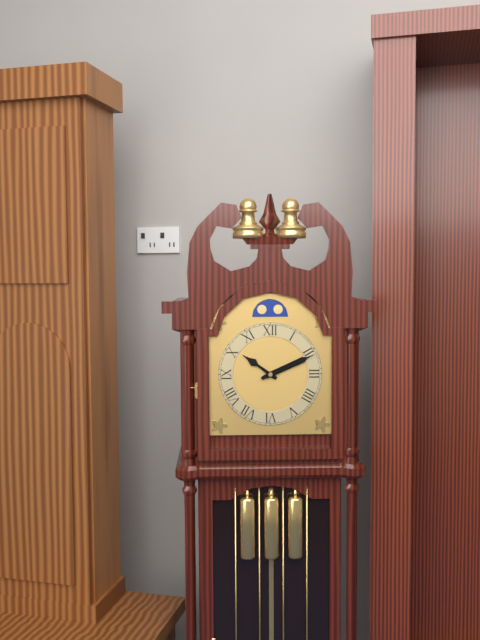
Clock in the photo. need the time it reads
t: 10:11
